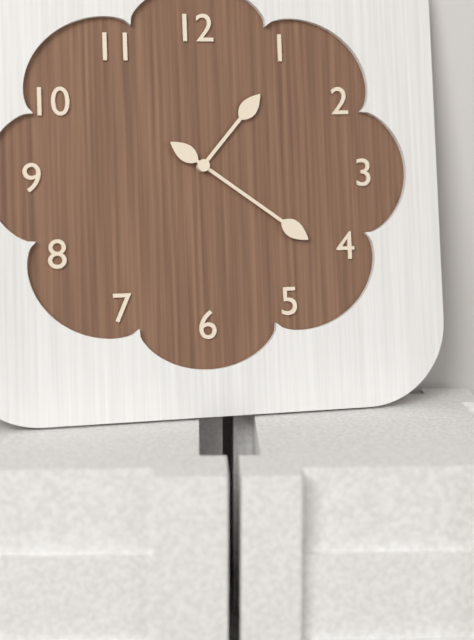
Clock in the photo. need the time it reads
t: 1:21
